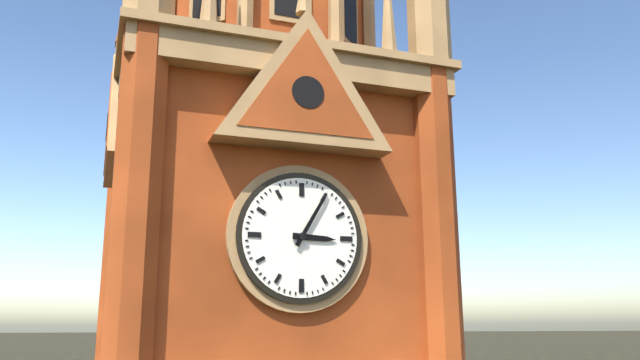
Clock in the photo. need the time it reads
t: 3:05
